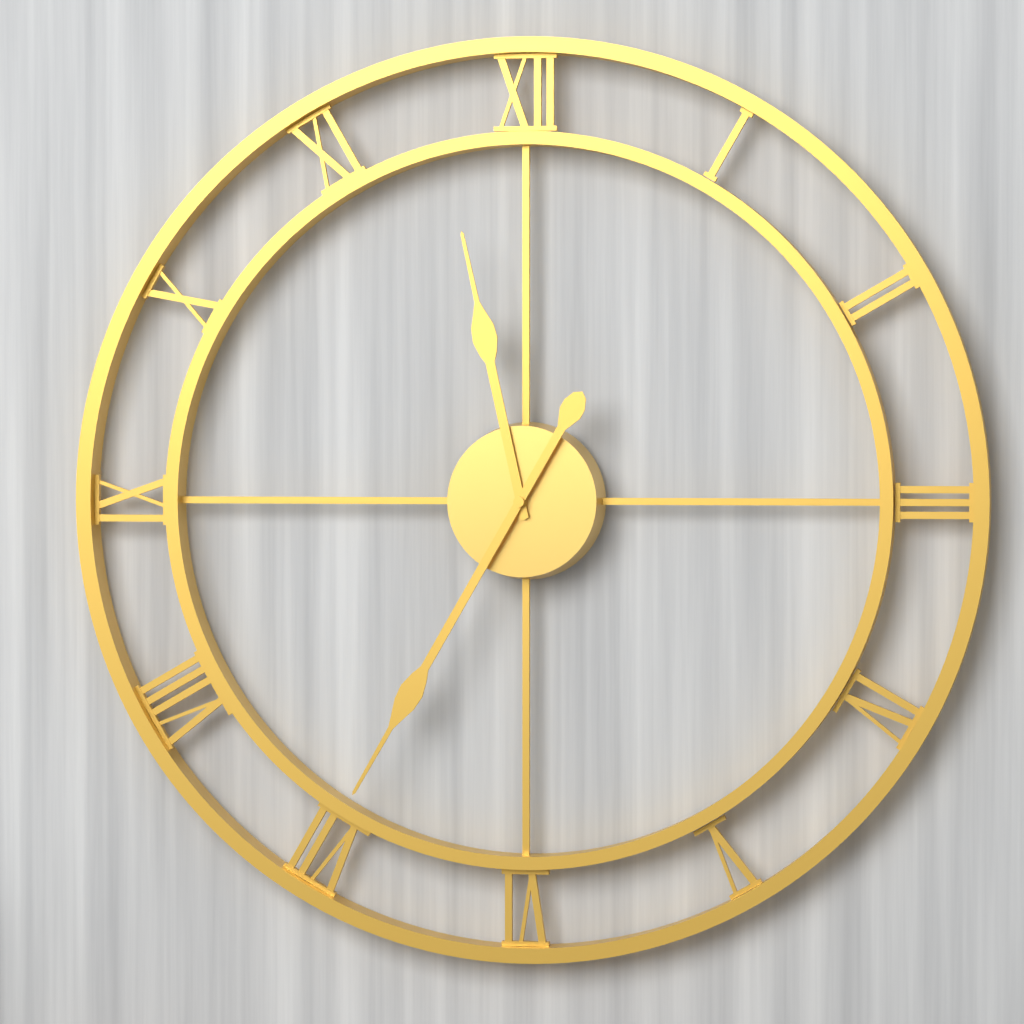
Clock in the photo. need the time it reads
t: 11:35
